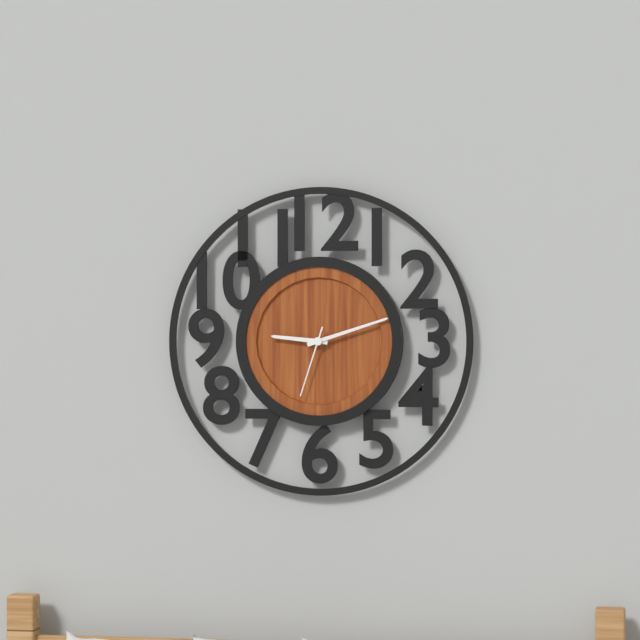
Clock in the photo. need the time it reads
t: 9:12:33
